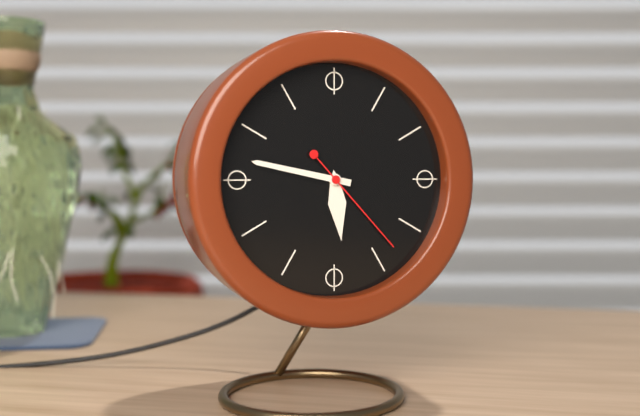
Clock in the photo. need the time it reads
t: 5:47:23
